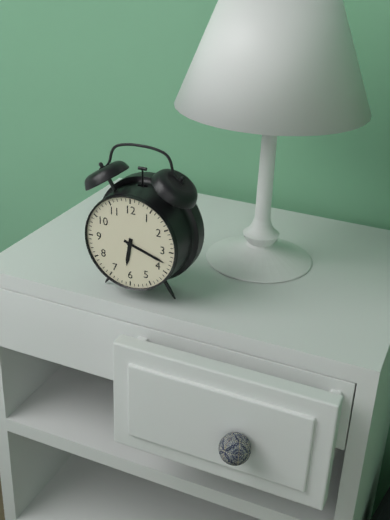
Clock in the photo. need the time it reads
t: 6:18
